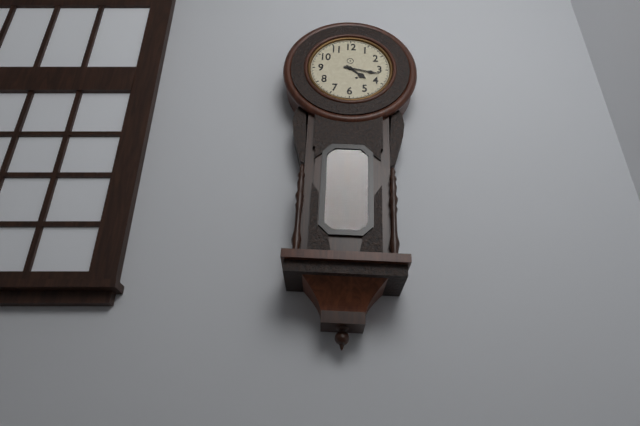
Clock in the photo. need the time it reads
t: 4:17
